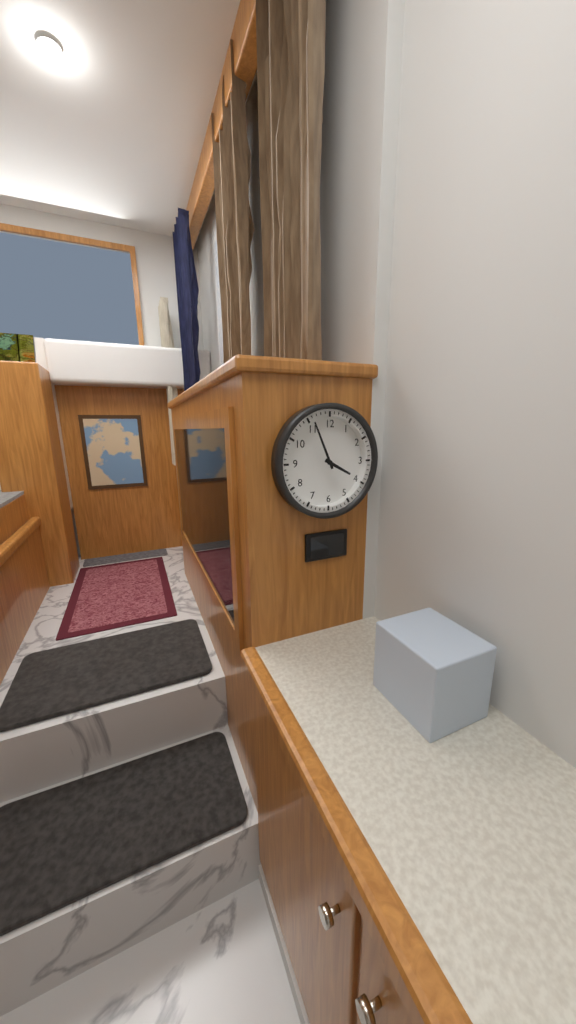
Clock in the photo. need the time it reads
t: 3:56
